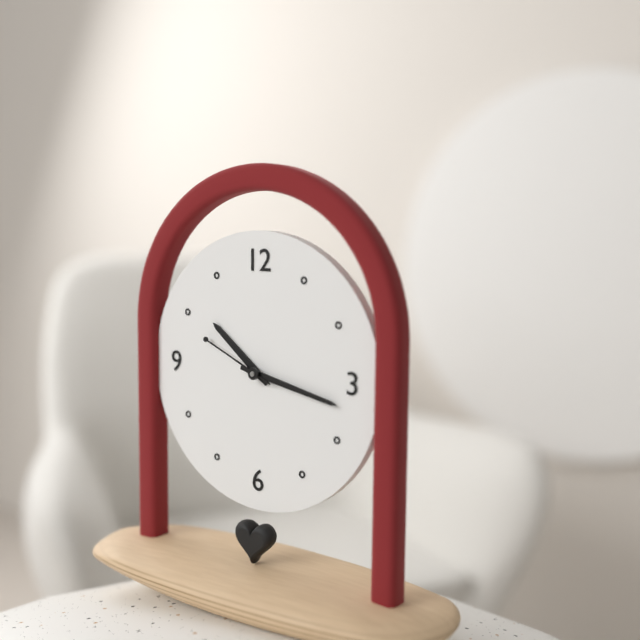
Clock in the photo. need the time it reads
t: 10:17:49
